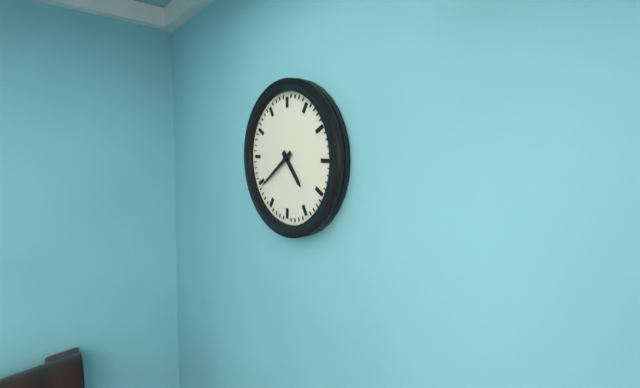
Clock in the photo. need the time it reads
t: 4:39
